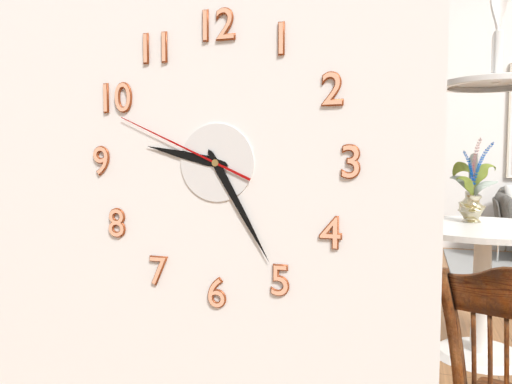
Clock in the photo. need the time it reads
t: 9:25:49
